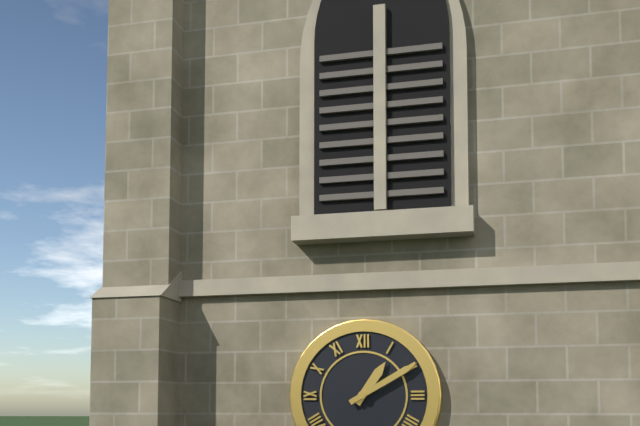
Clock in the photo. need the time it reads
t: 1:10
